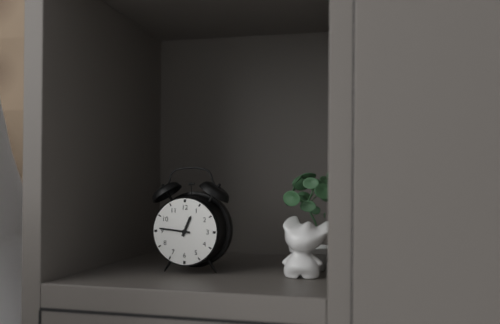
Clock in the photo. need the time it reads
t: 12:46
